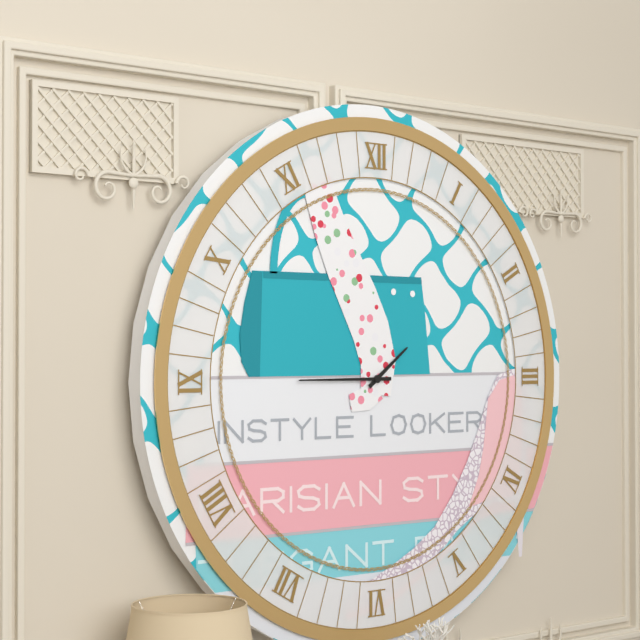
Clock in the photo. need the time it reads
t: 1:45
